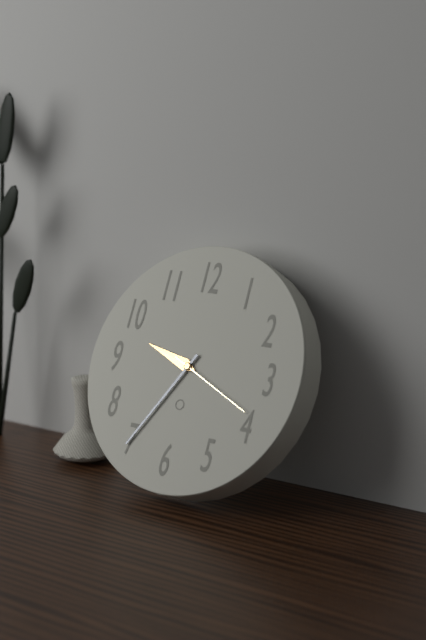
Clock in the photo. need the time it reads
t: 9:35:19
